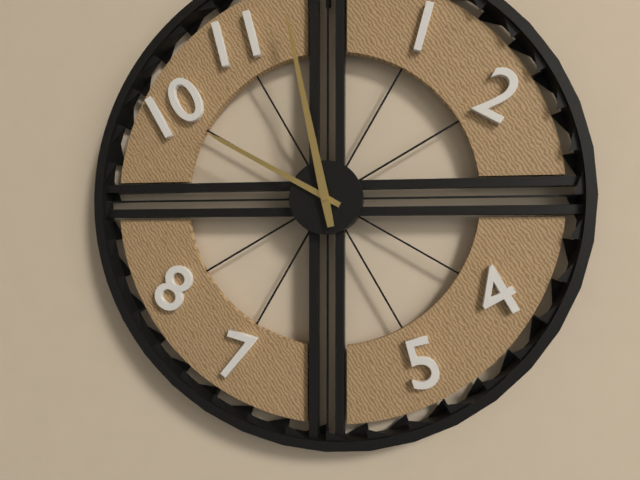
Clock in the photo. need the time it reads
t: 9:58
